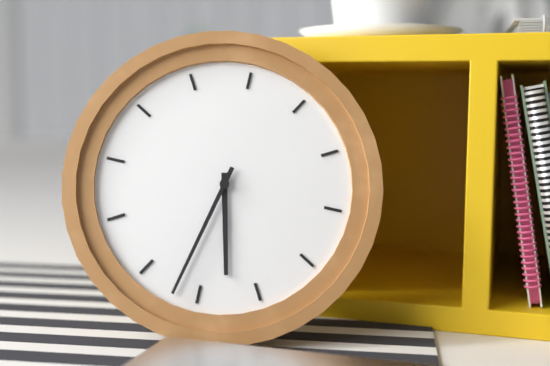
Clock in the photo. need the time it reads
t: 5:32
